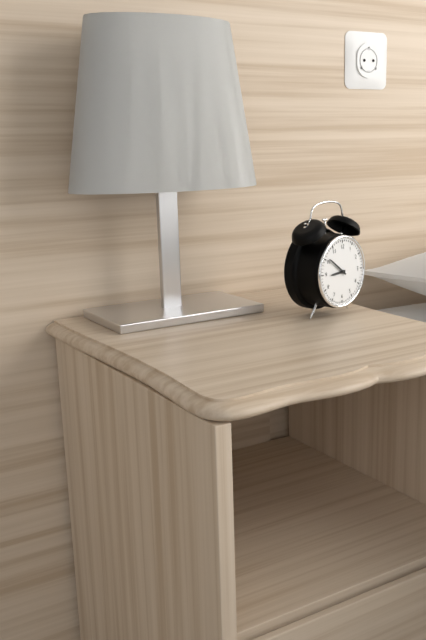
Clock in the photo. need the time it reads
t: 8:51
